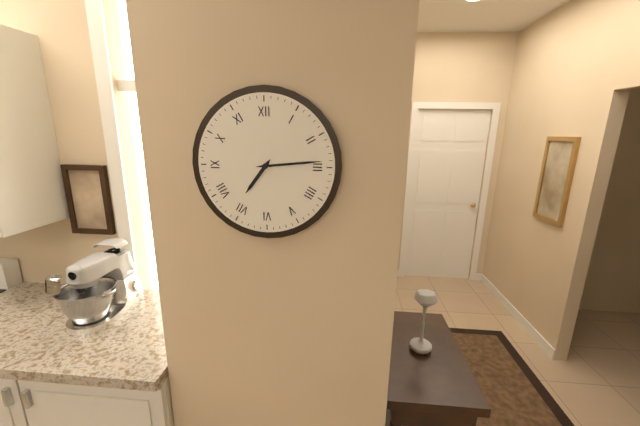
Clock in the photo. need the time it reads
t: 7:14
